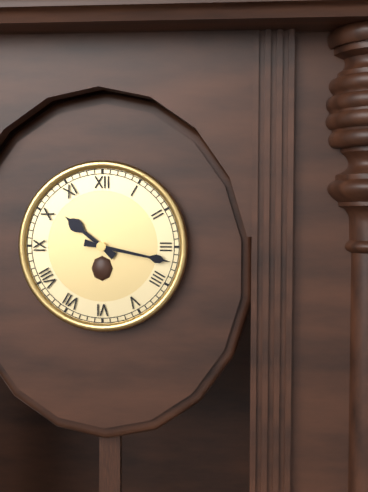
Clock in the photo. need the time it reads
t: 10:17
